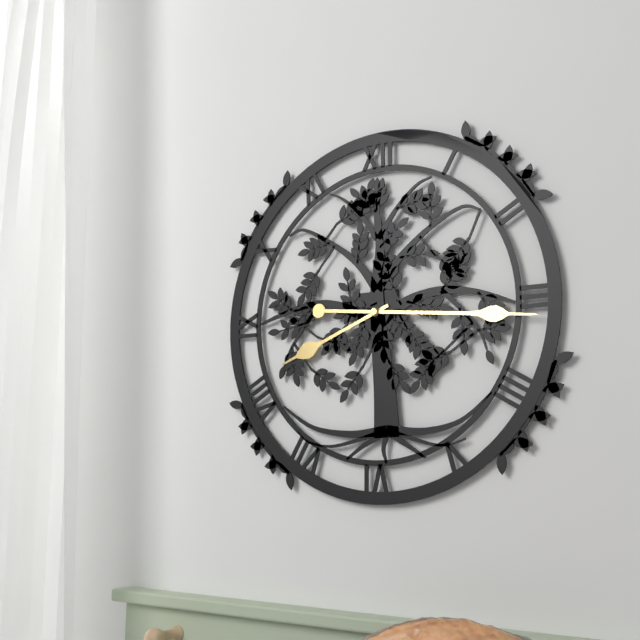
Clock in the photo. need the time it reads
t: 8:16
